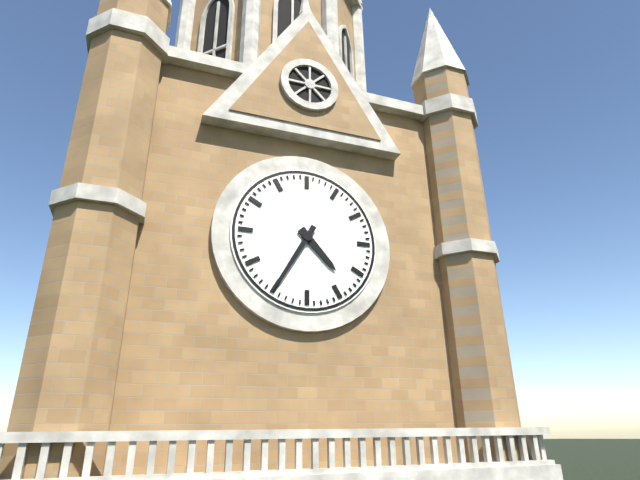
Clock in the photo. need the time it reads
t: 4:35
